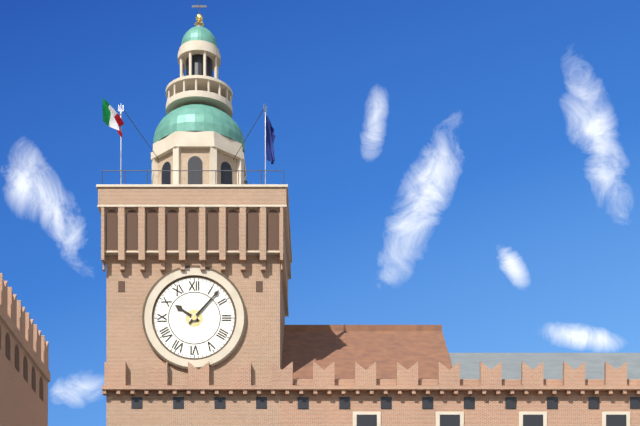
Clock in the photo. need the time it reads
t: 10:07
